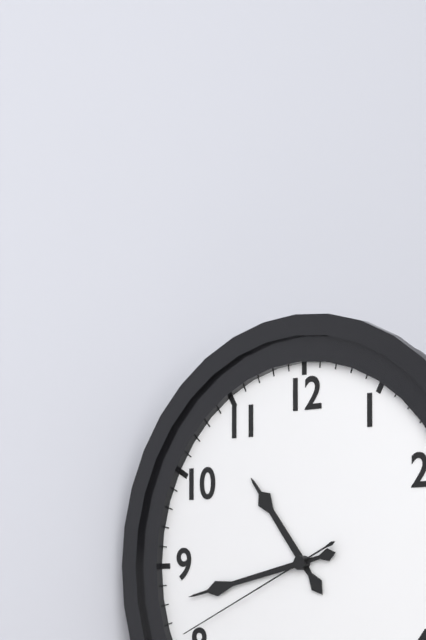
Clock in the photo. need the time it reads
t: 10:43:41
